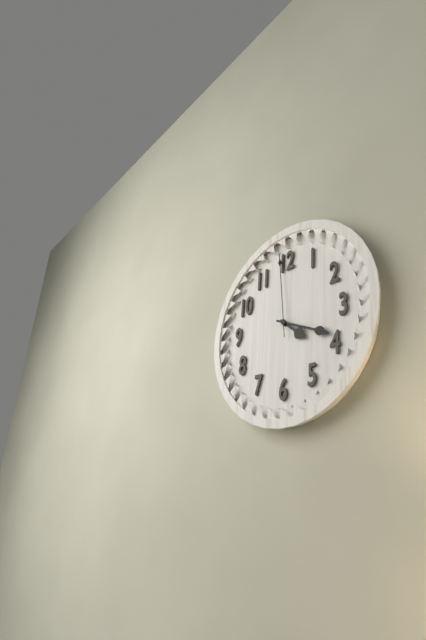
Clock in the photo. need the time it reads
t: 4:19:59
